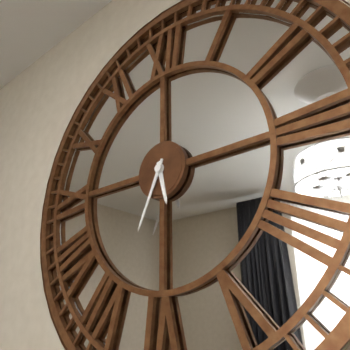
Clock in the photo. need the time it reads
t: 5:34
